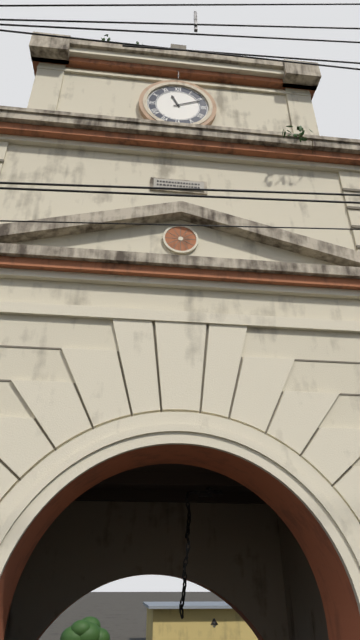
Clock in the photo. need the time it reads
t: 11:11
